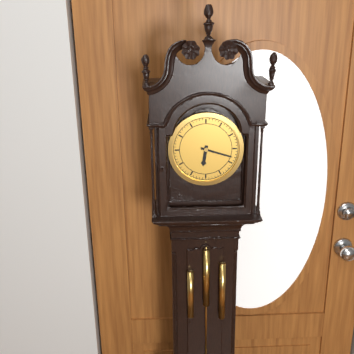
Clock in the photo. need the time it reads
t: 6:18
